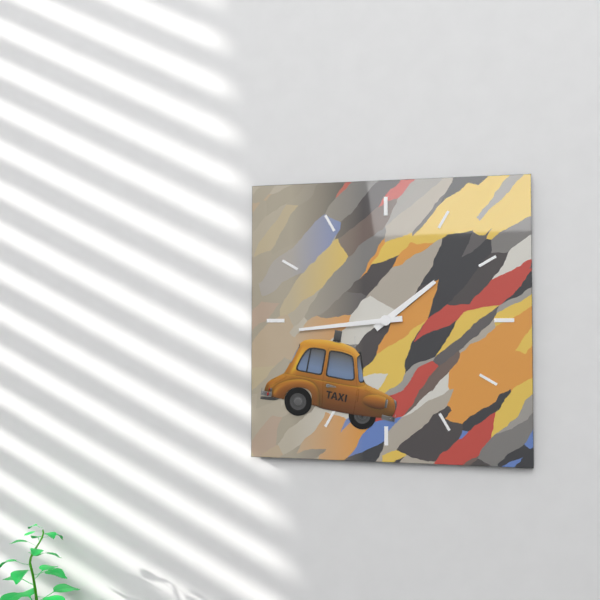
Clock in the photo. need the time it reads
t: 1:44
